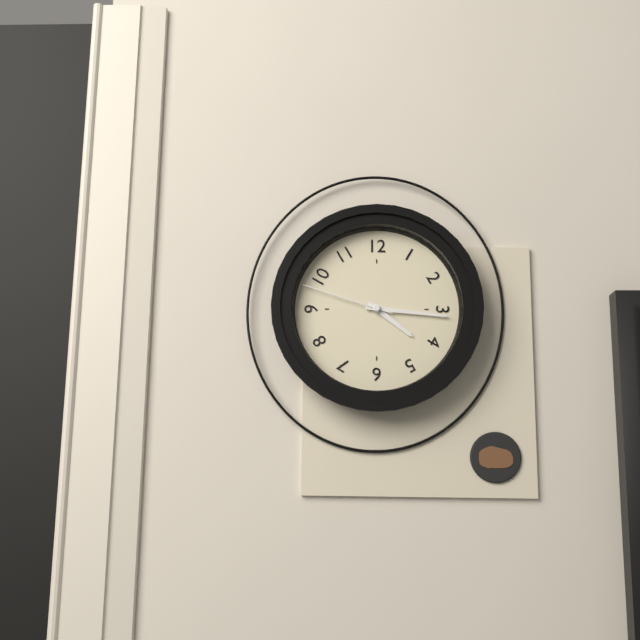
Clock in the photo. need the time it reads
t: 4:16:48
